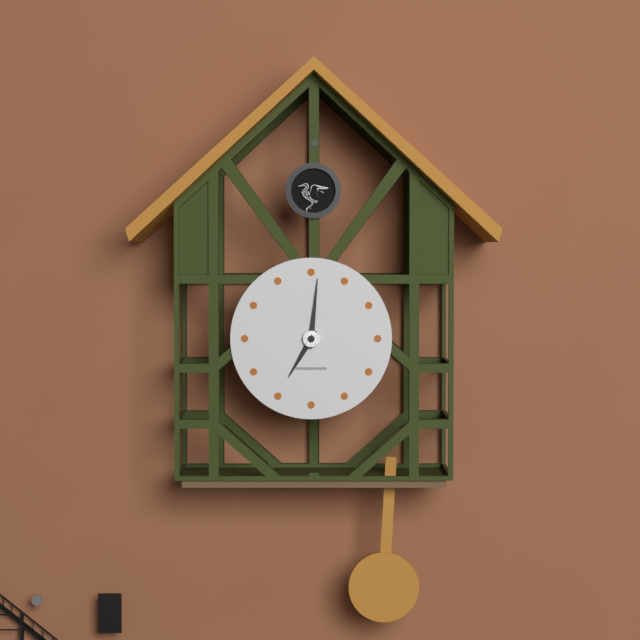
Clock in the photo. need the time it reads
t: 7:01
